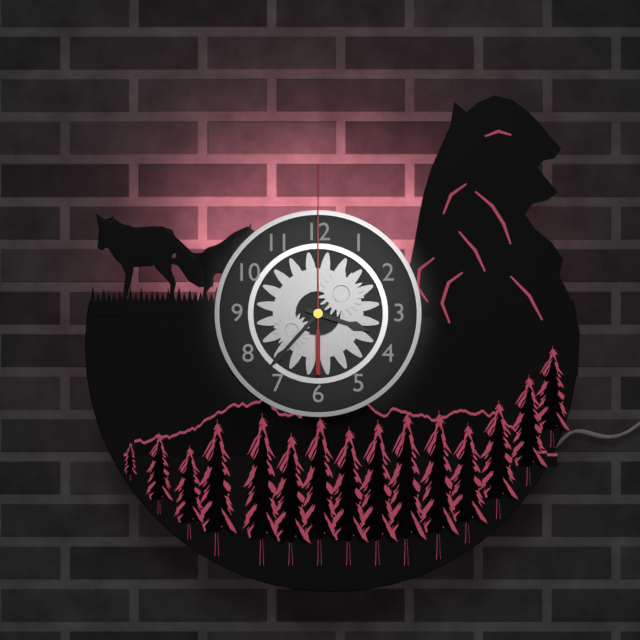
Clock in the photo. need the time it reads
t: 3:37:00
